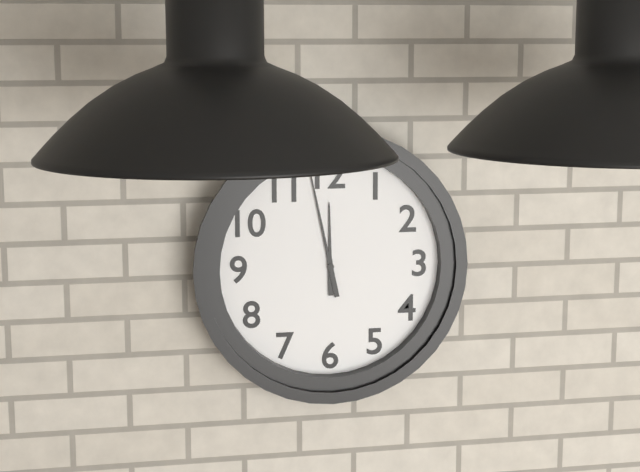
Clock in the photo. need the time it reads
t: 11:58
